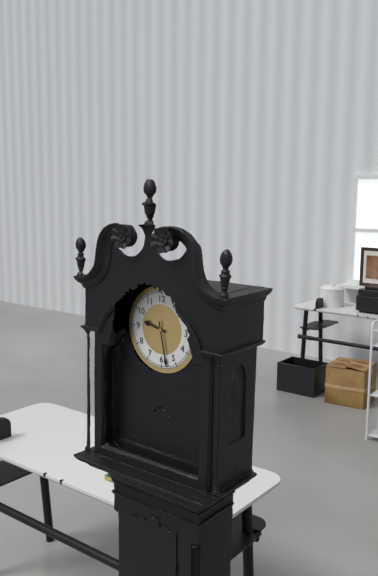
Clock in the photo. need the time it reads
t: 9:28
